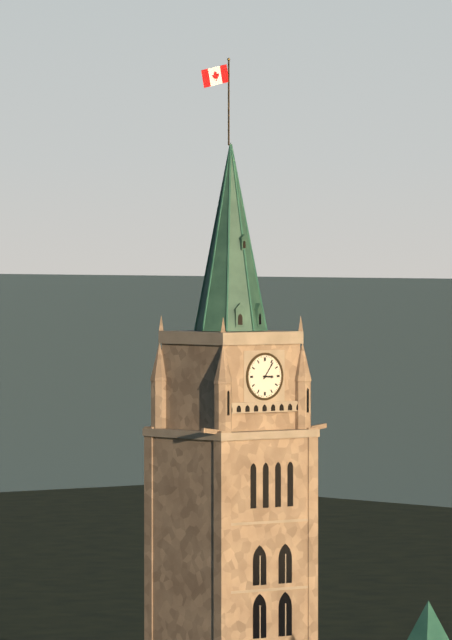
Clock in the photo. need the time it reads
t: 3:06
